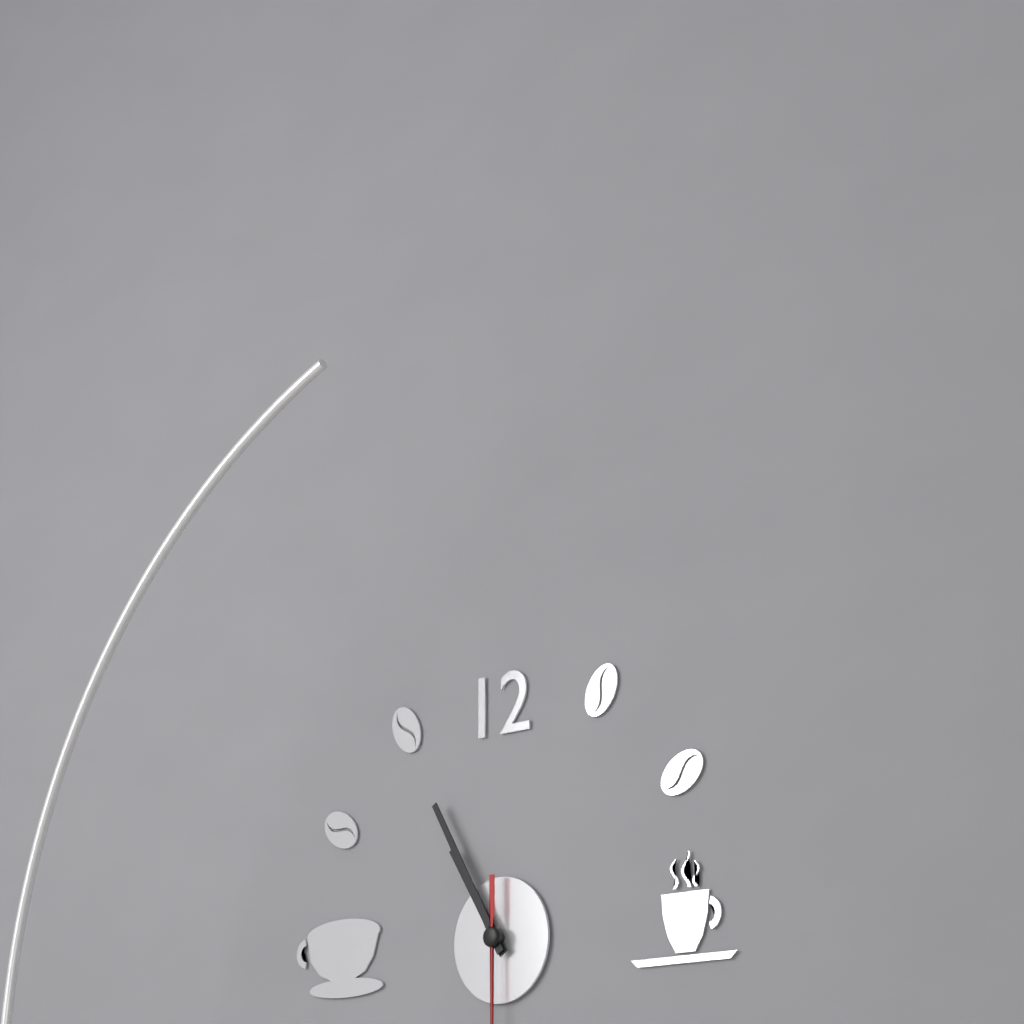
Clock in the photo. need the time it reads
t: 10:55
